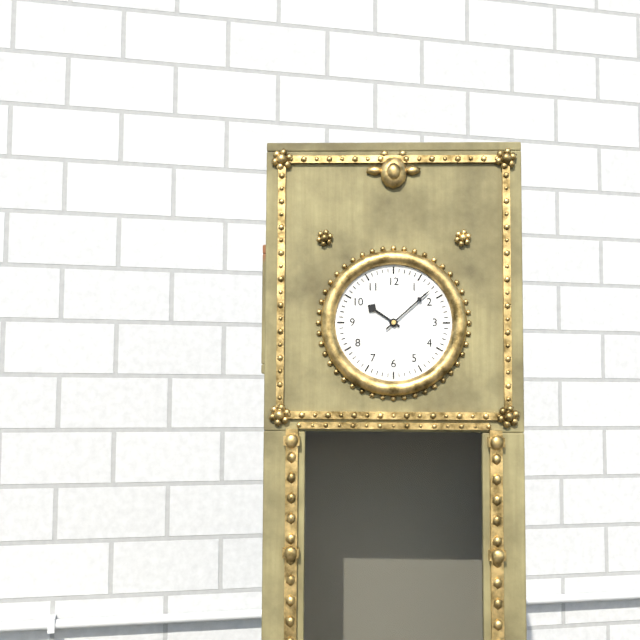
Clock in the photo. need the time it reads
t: 10:08
